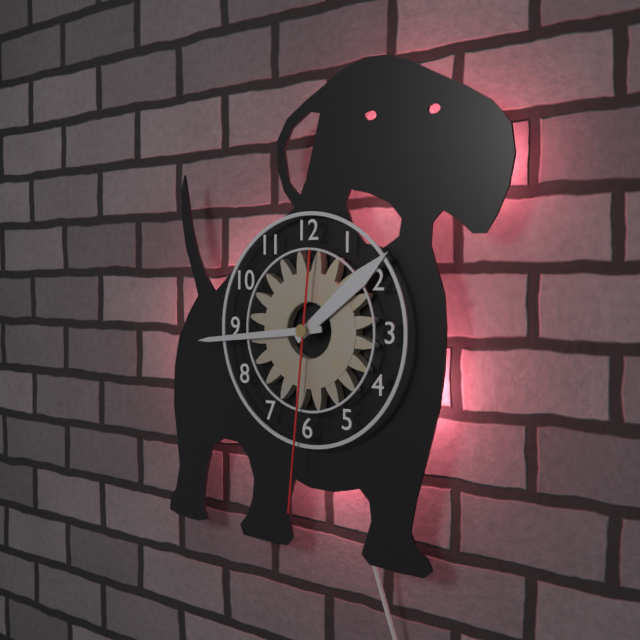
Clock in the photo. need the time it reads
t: 1:44:31
